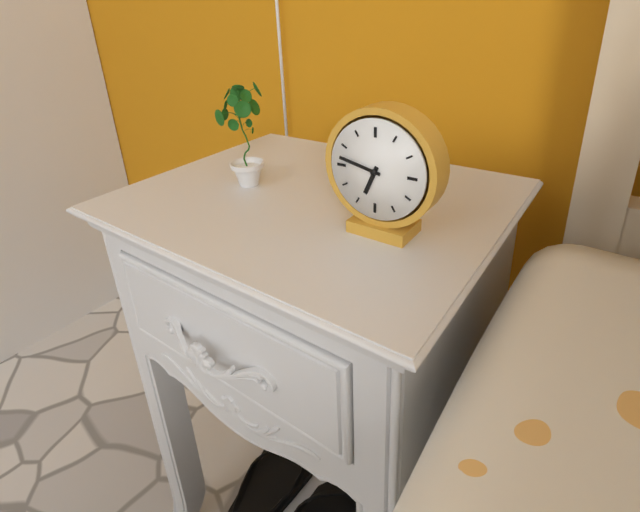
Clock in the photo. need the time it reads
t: 6:47
